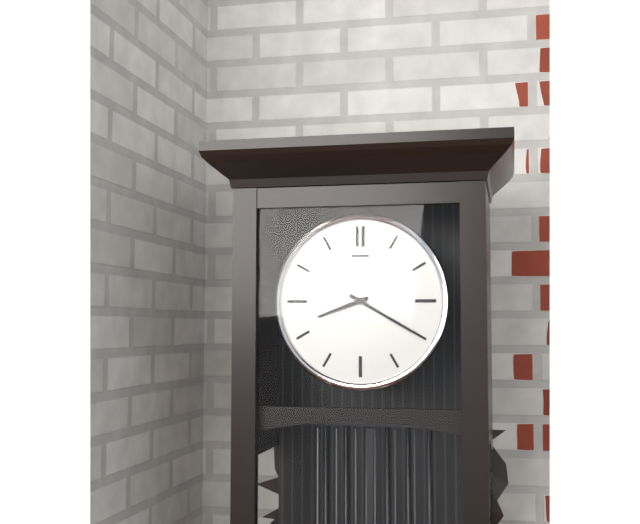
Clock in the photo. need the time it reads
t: 8:20
